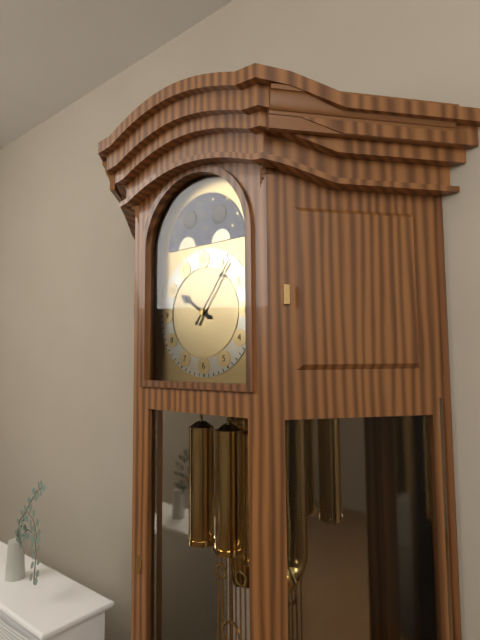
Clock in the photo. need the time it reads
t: 10:06
